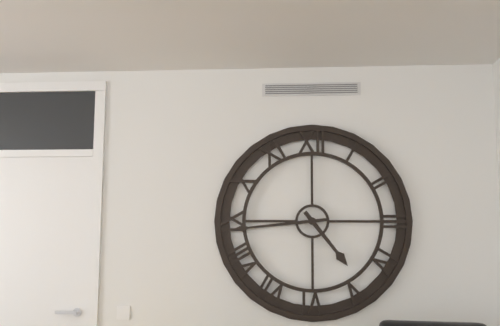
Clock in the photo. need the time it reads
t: 4:44
